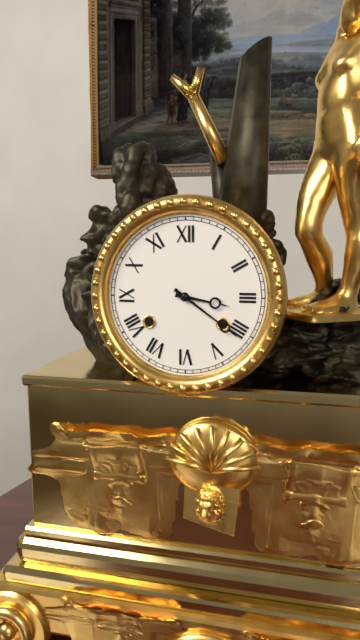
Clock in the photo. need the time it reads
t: 3:21
